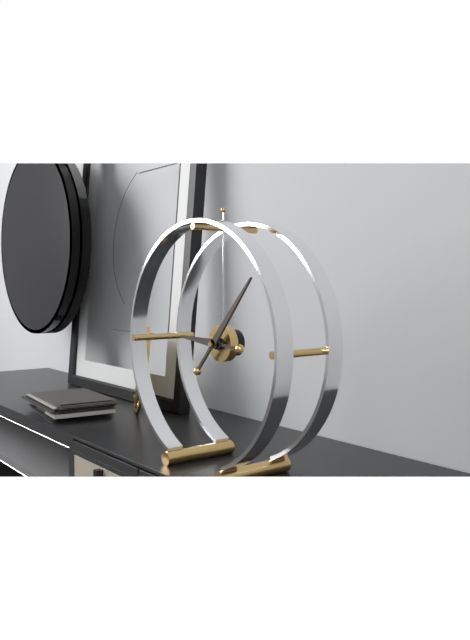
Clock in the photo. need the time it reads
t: 9:07
